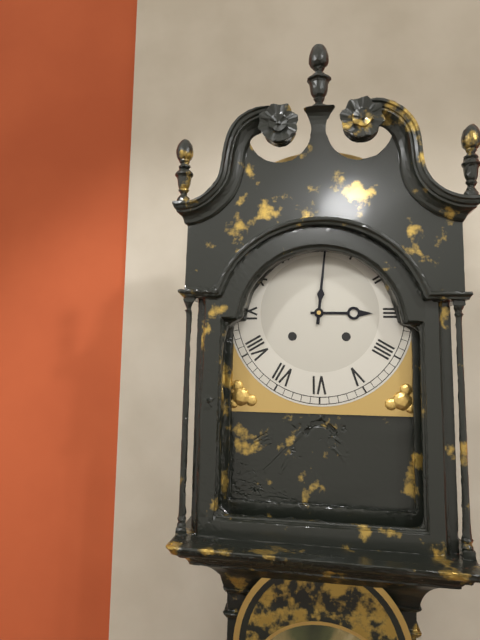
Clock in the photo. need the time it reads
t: 3:01
